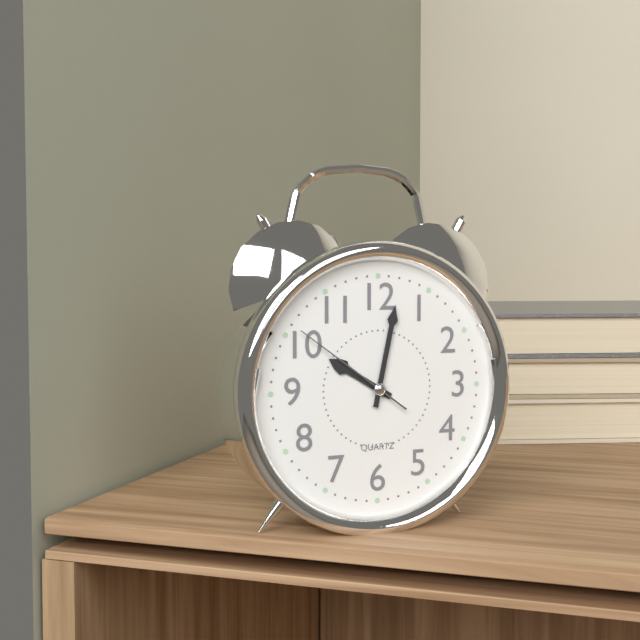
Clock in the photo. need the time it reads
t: 10:02:51
